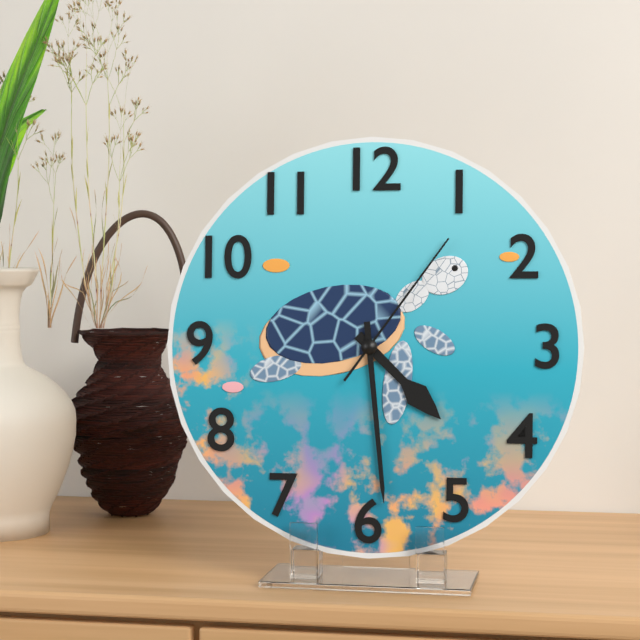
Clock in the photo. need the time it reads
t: 4:29:06
